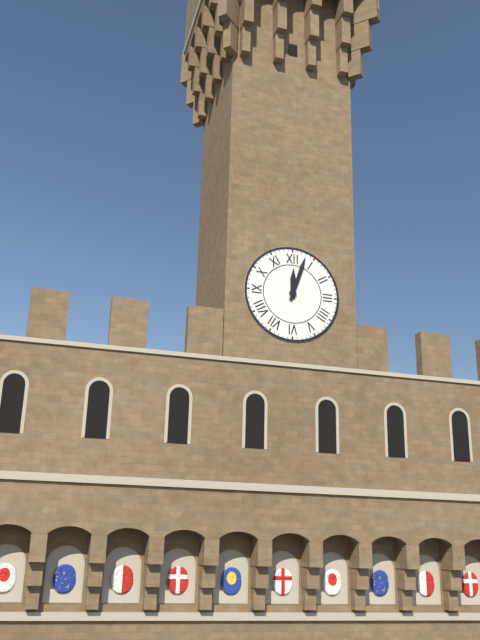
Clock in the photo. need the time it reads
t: 12:03
